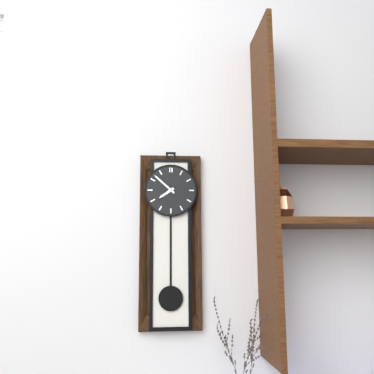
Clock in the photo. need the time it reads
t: 7:52
